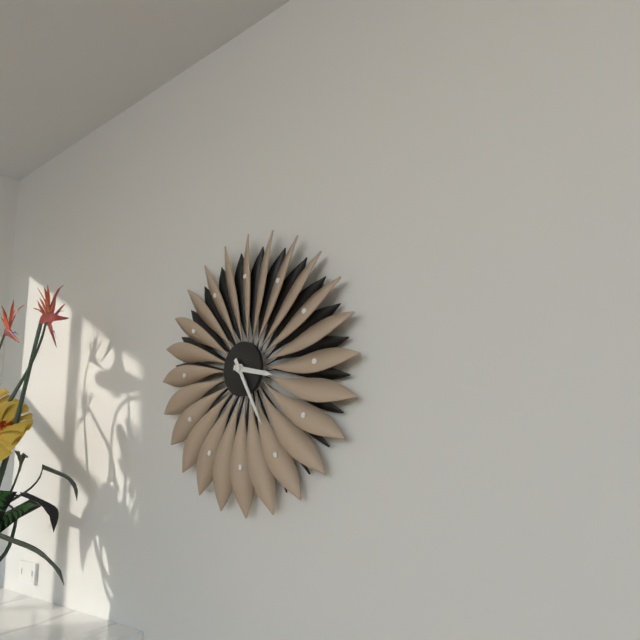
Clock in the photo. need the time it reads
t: 3:25
